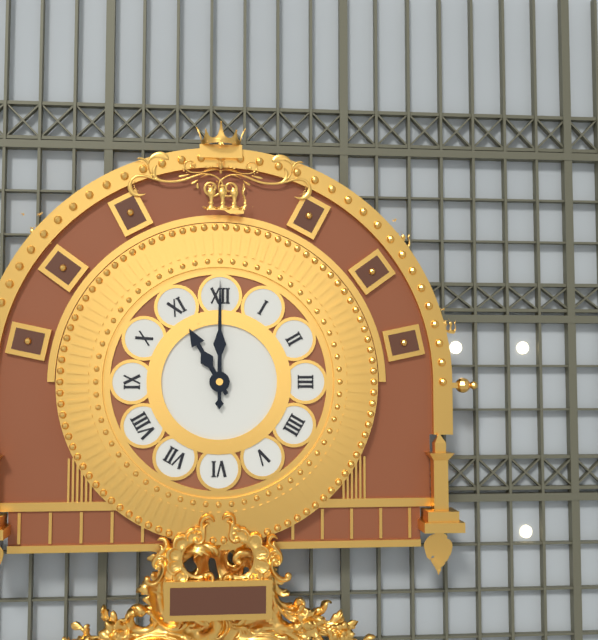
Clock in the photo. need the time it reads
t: 11:00
